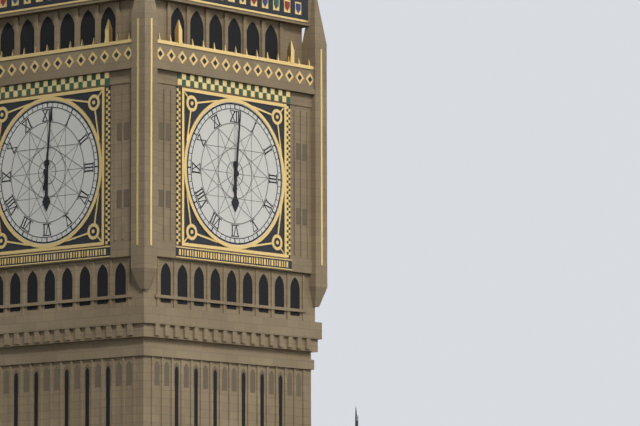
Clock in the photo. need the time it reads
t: 6:01
